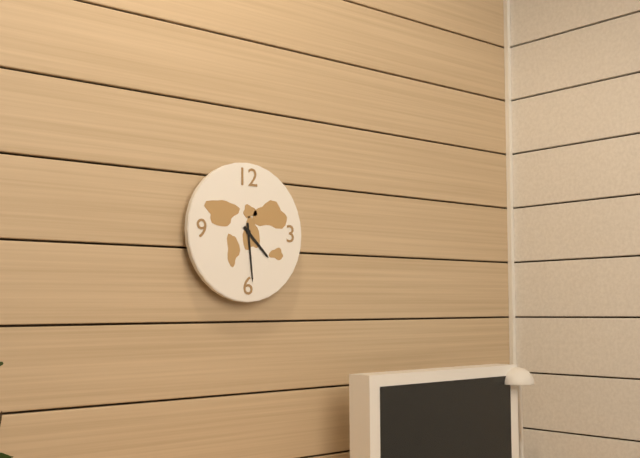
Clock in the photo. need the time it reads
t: 4:29
